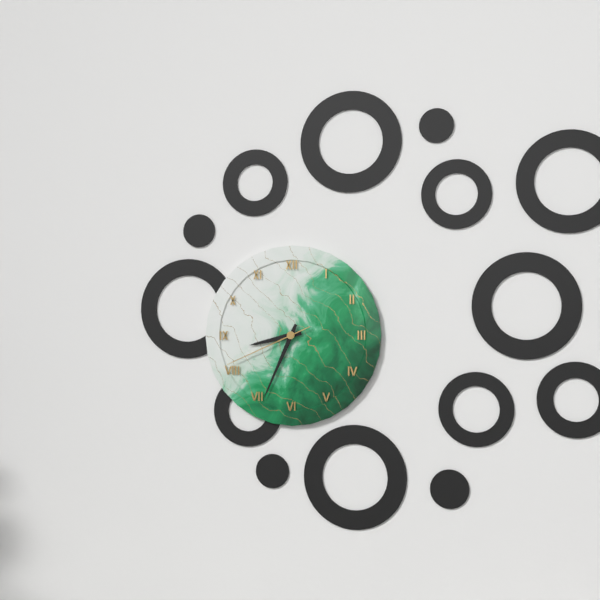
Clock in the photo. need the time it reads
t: 8:34:41
